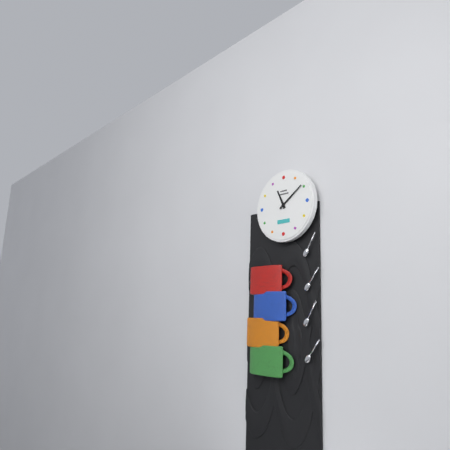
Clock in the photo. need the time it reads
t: 11:09
